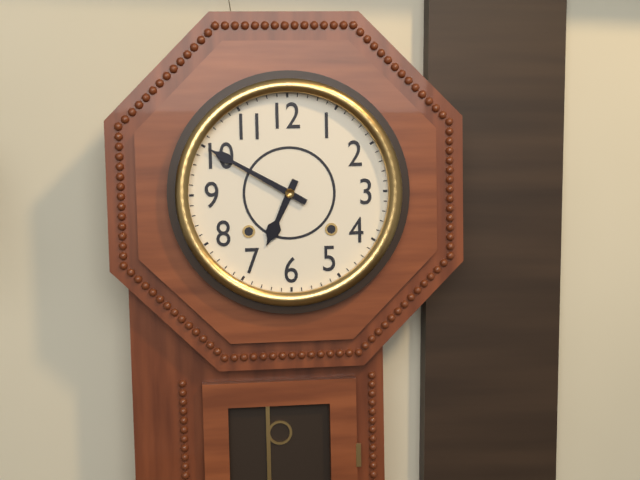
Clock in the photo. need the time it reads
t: 6:50
